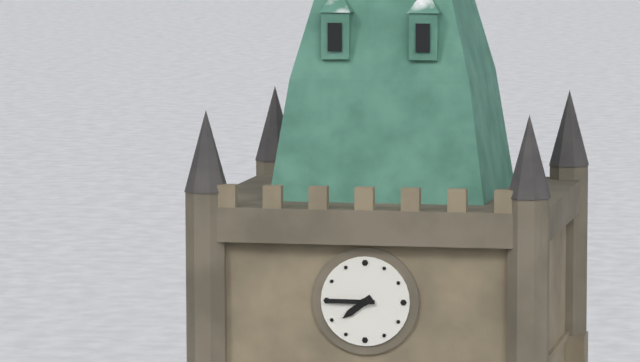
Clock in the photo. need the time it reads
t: 7:45
